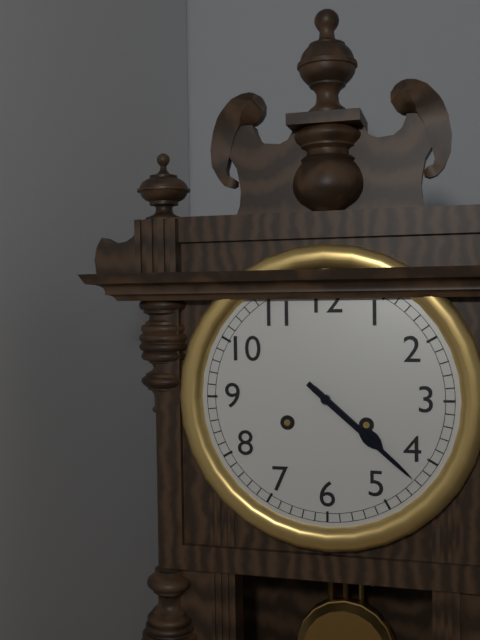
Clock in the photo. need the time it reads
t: 4:22
